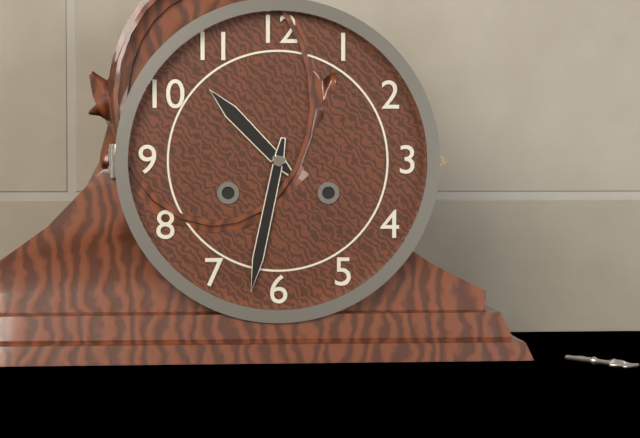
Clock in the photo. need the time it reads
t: 10:32
